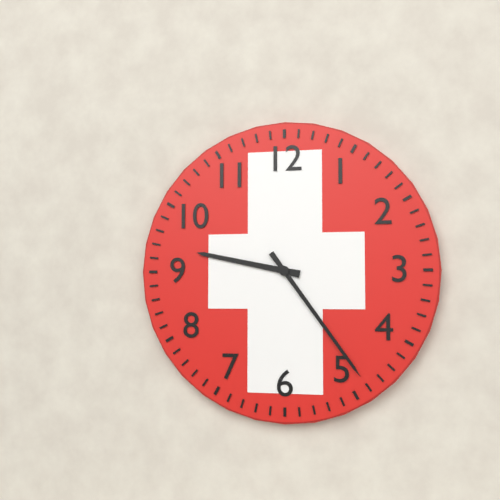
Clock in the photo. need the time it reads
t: 9:24
